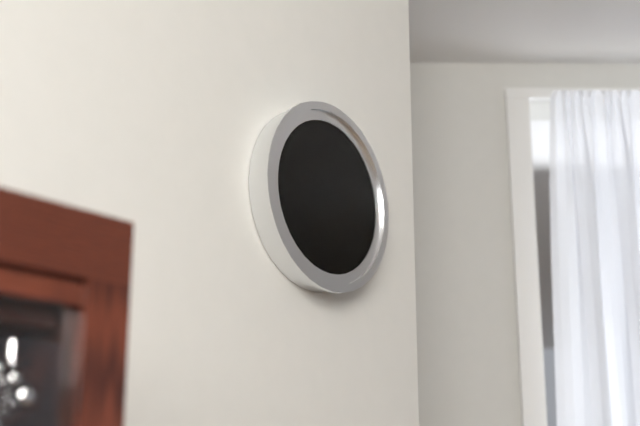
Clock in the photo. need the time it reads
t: 8:56:11
